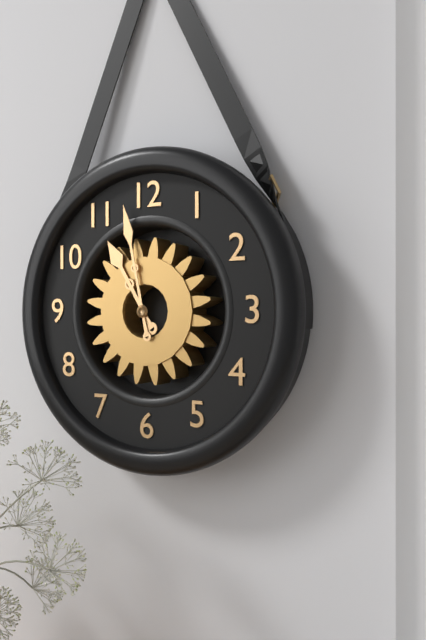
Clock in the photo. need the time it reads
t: 10:58
